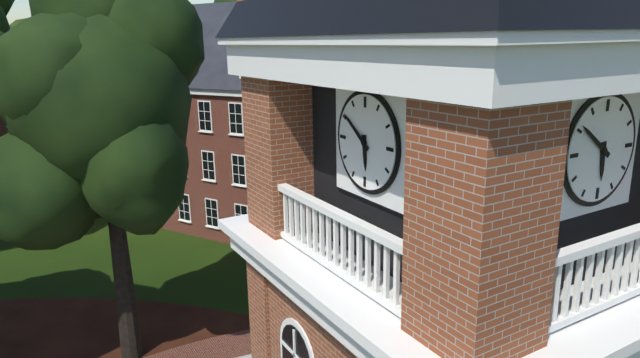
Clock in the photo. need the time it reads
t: 5:51
